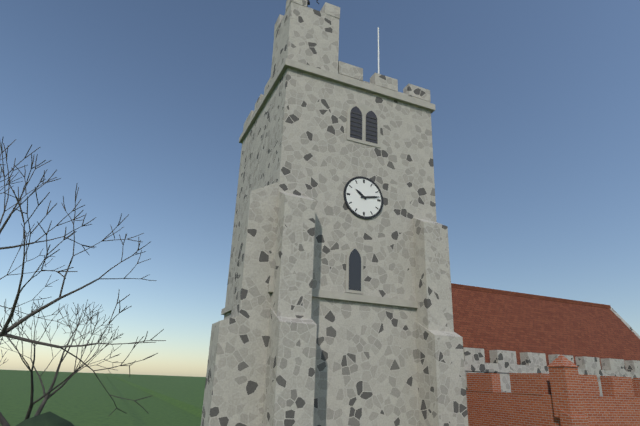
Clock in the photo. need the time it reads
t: 10:13
